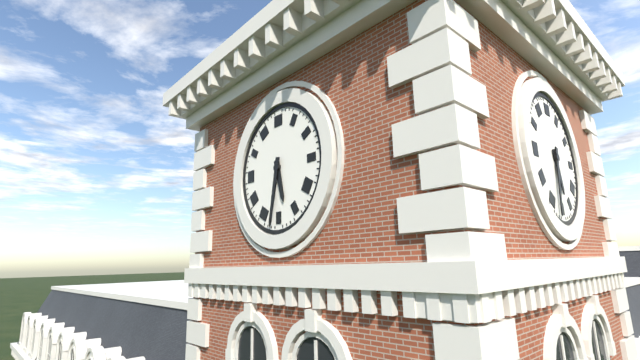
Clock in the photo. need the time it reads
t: 5:32
